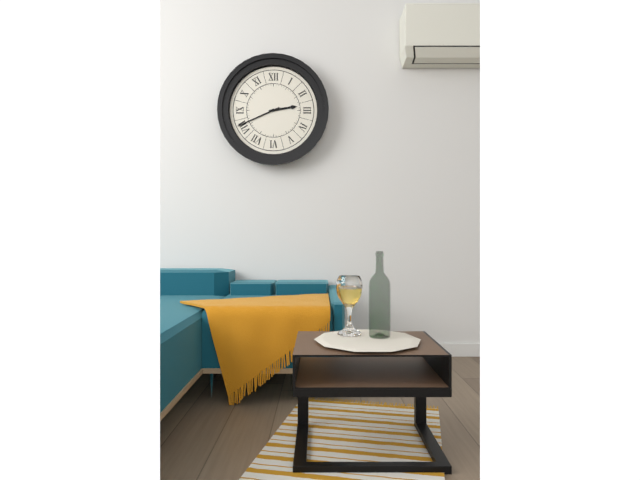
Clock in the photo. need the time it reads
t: 2:41
